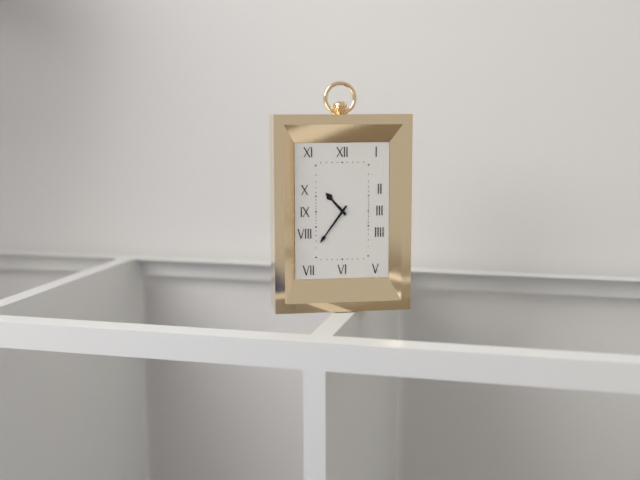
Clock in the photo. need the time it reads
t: 10:36
